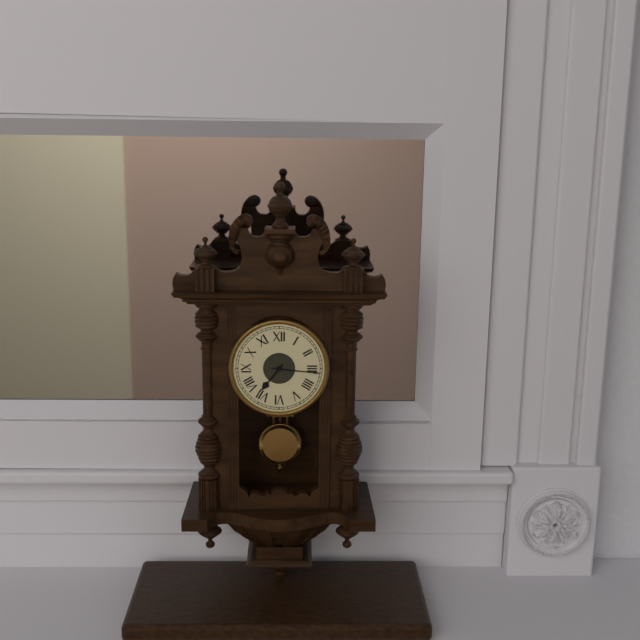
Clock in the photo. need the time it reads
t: 7:16
